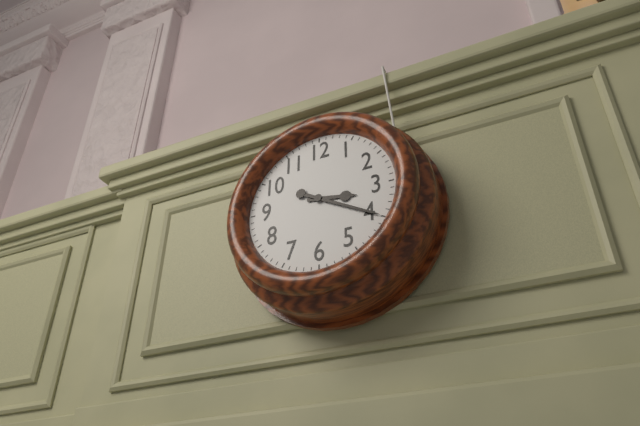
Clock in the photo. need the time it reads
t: 3:20
